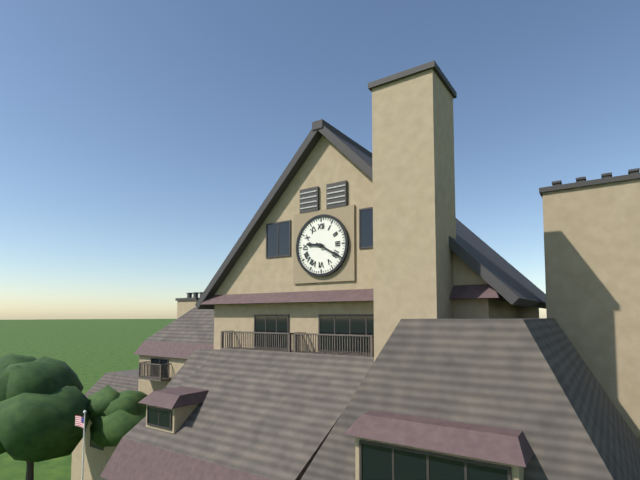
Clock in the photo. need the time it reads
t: 9:20
